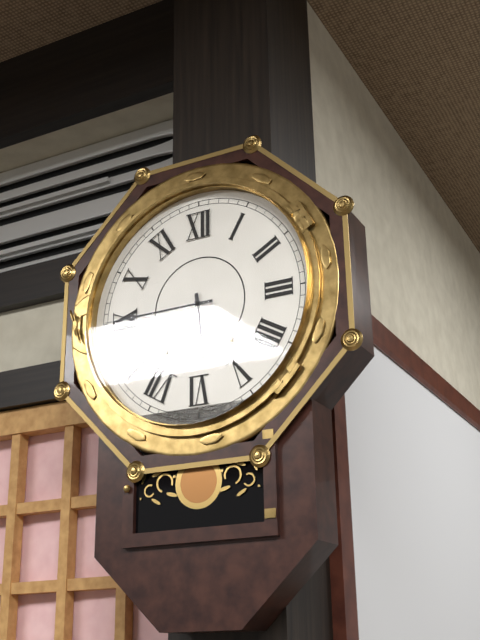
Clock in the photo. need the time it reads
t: 5:45
